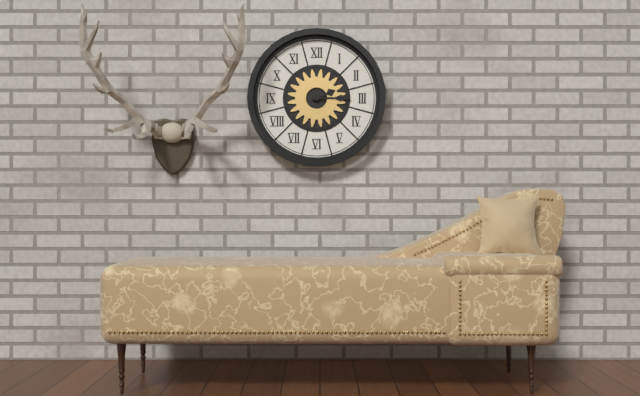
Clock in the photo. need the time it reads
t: 2:15
